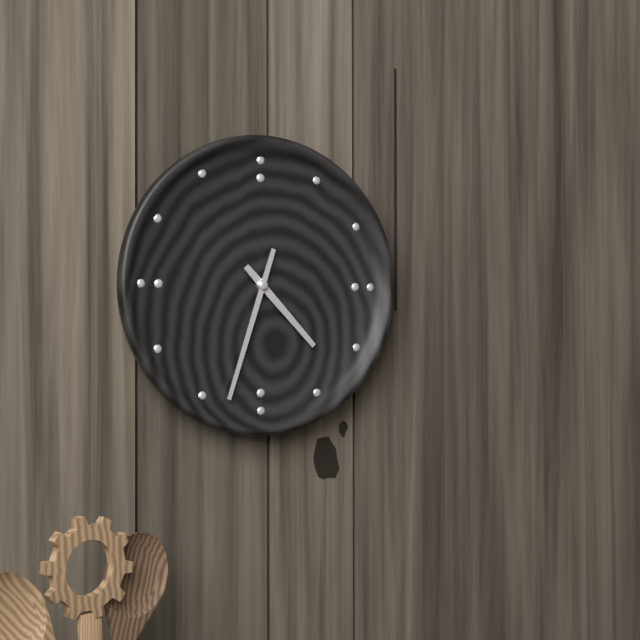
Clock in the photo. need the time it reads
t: 4:33
